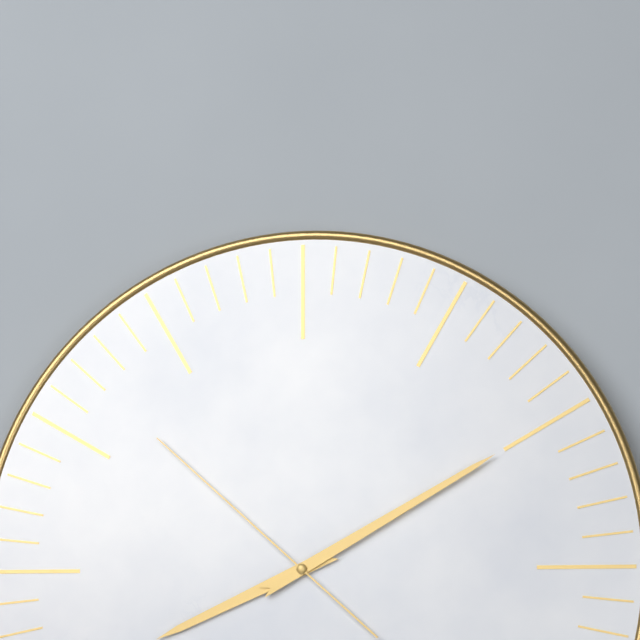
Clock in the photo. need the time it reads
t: 8:10:52
